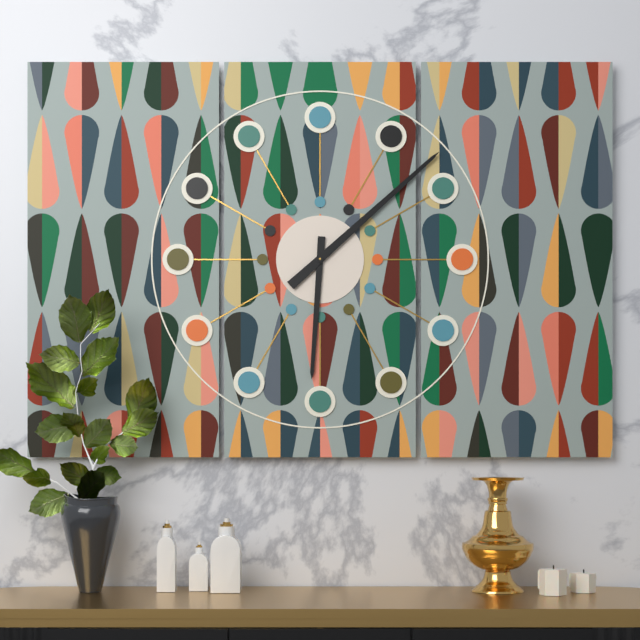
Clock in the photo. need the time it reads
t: 6:08
